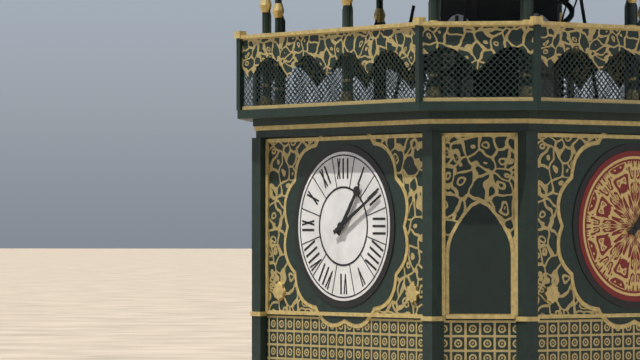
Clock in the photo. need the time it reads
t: 1:10
